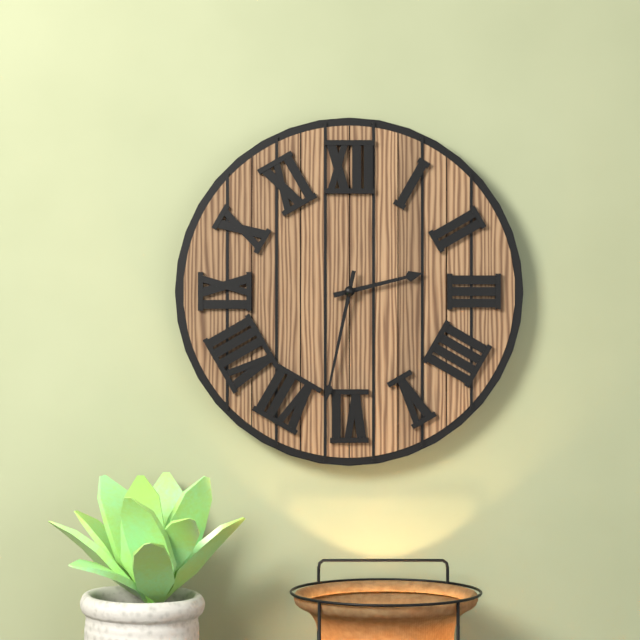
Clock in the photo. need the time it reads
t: 2:32
